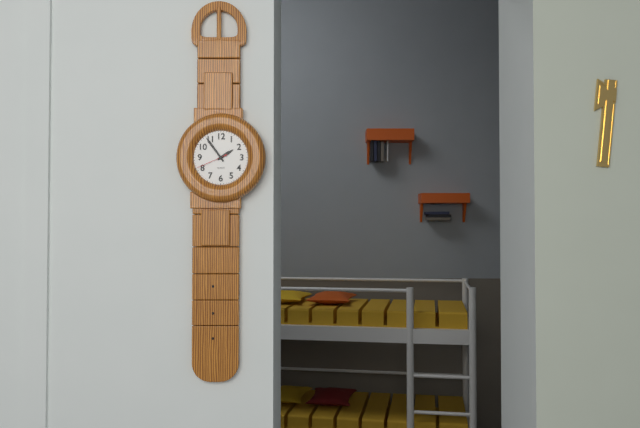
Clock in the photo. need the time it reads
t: 1:54
